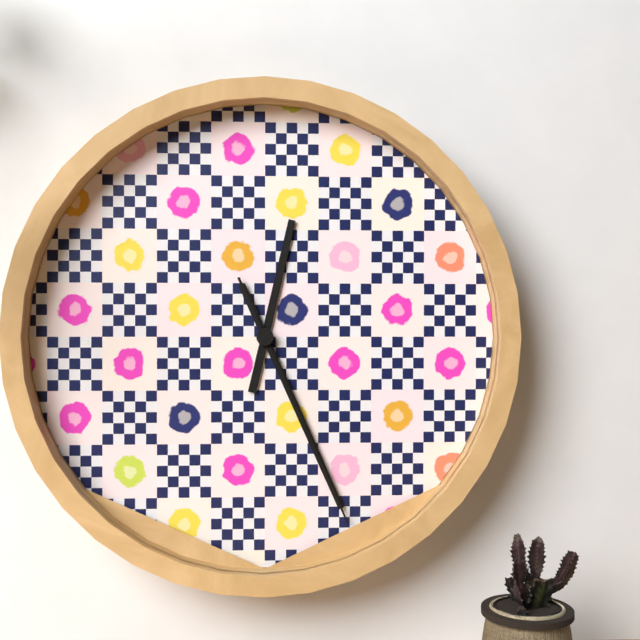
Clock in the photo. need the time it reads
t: 12:26:26
